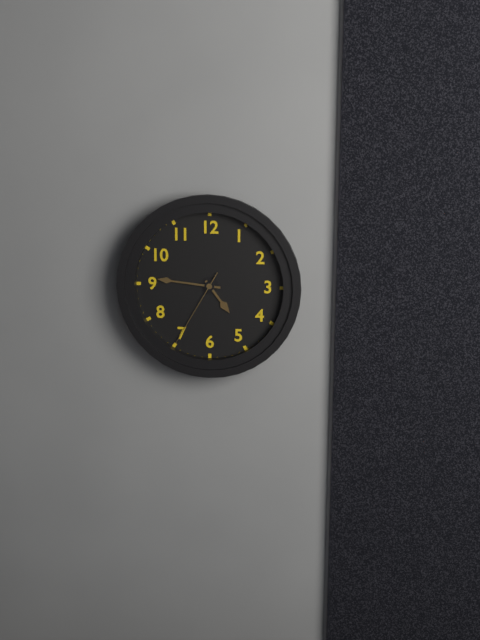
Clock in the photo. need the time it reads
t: 4:46:35
